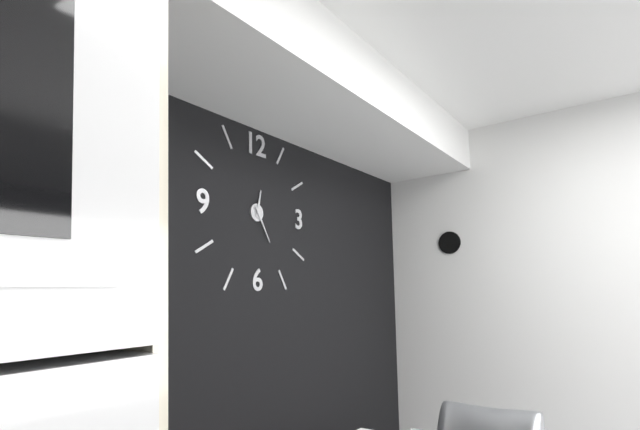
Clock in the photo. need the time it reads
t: 12:25
